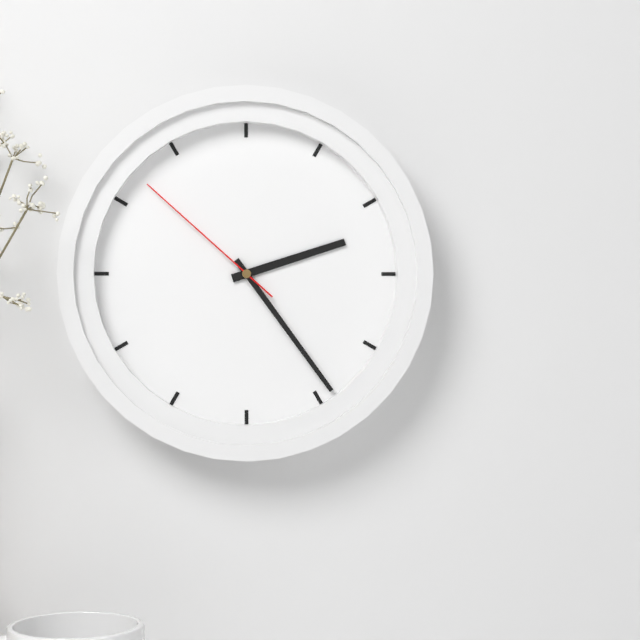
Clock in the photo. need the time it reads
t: 2:24:52
